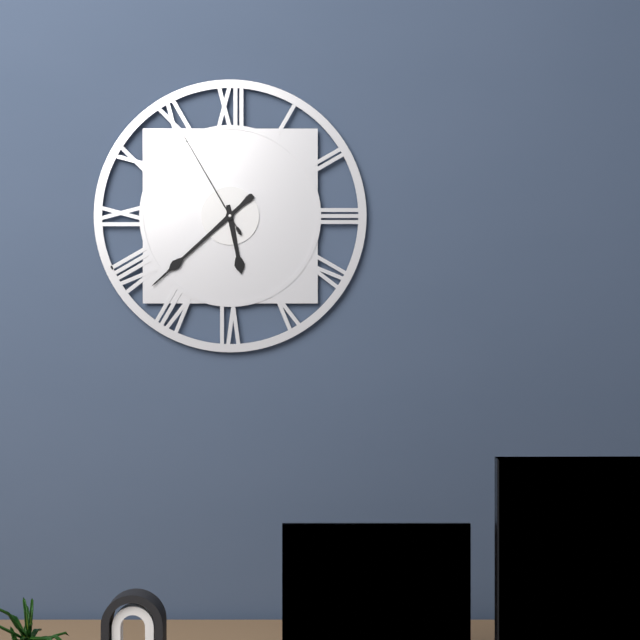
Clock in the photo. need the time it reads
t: 5:38:55
